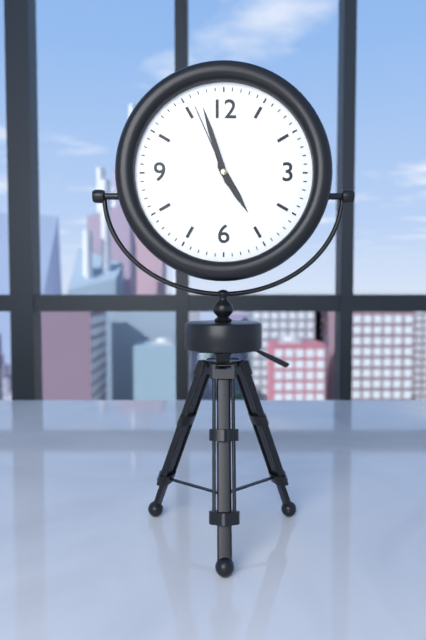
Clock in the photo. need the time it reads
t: 4:57:56
